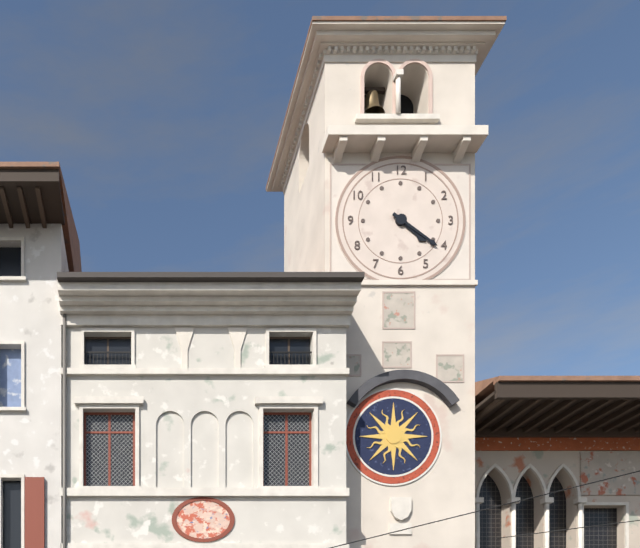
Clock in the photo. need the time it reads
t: 4:21
